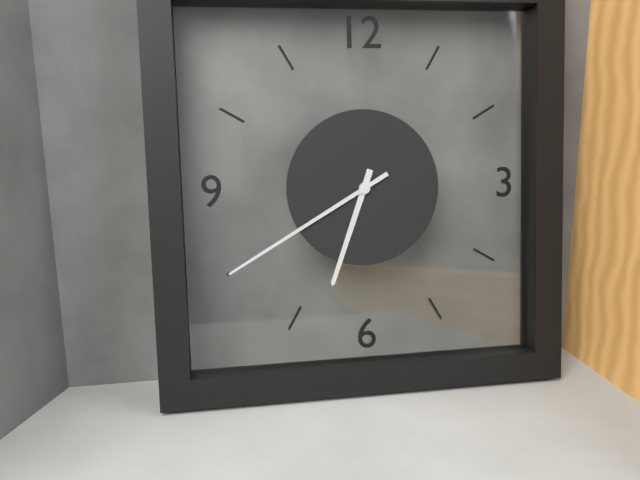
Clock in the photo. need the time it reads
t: 6:40
